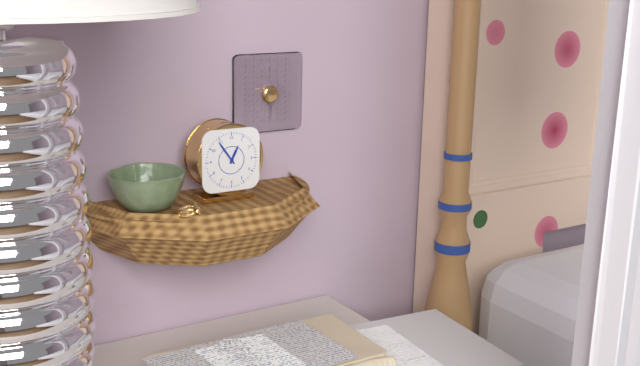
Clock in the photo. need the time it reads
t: 12:54
